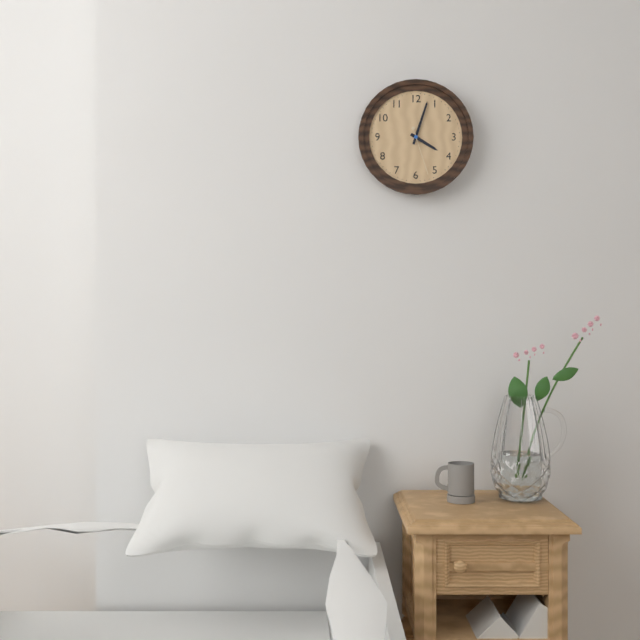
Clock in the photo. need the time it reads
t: 4:03
